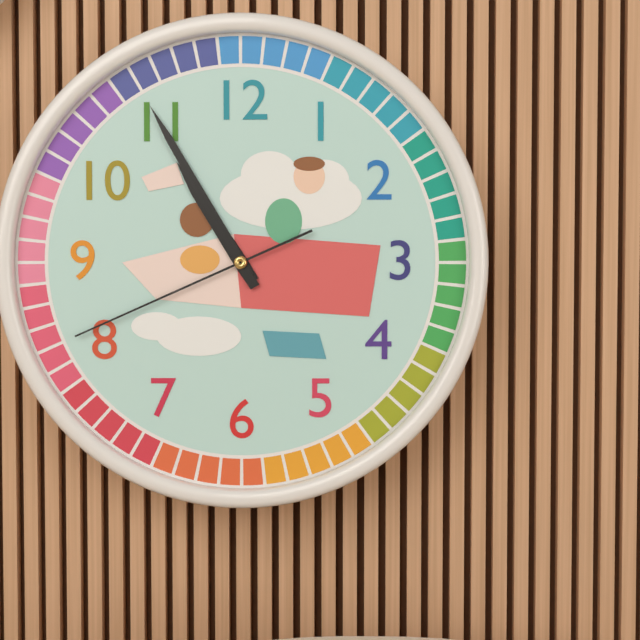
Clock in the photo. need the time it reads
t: 10:55:41
